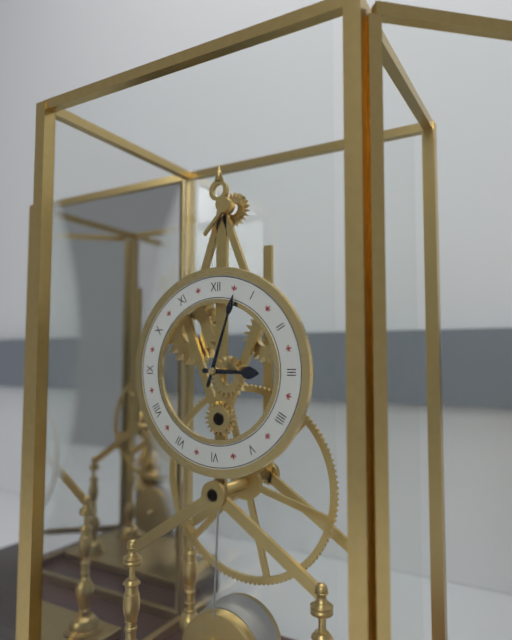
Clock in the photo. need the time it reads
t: 3:03
